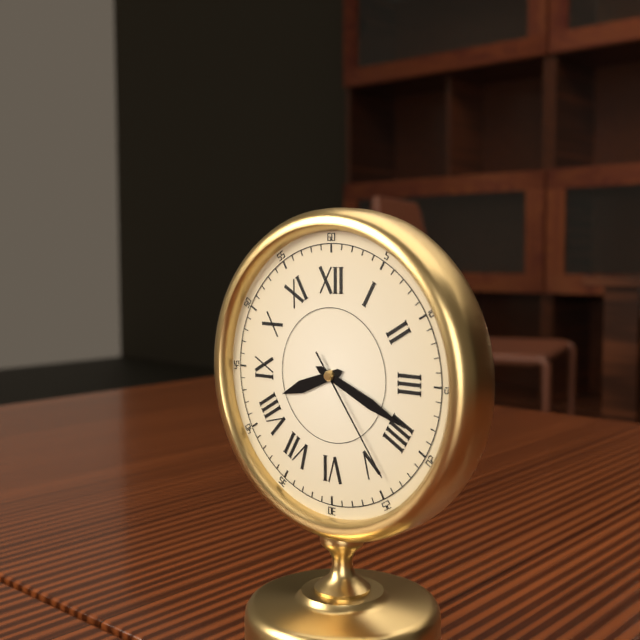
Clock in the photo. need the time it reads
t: 8:19:24
